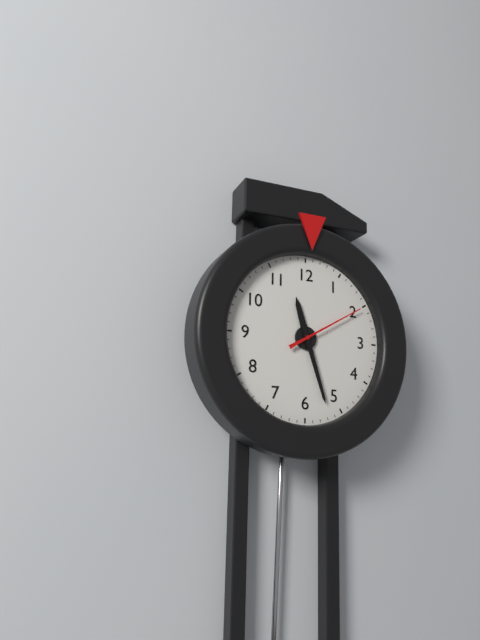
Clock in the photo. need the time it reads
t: 11:27:10
